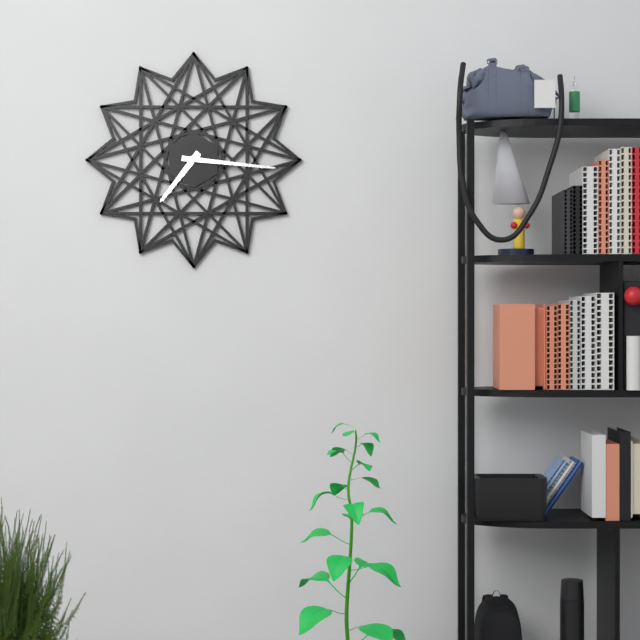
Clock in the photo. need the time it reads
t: 7:16
